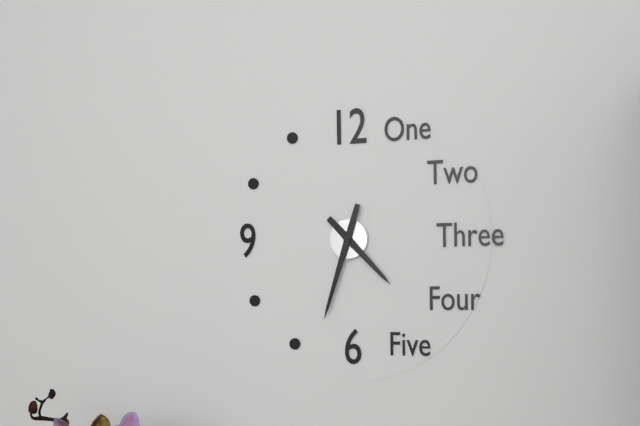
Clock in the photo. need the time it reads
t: 4:33
